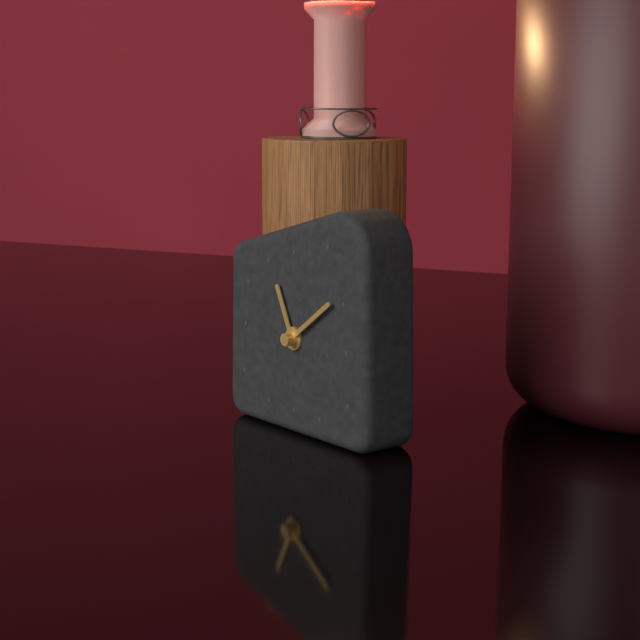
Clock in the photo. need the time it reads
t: 11:09
